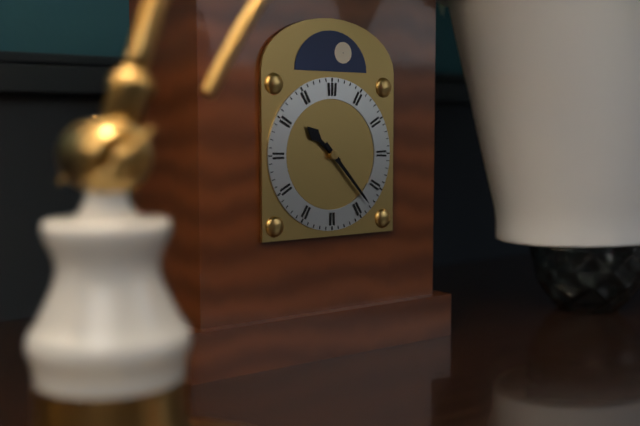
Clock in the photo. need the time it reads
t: 10:23
